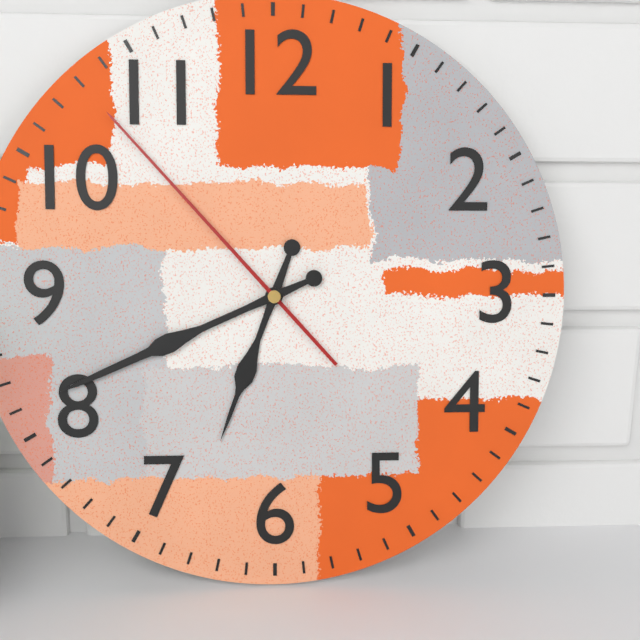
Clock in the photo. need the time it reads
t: 6:41:53
